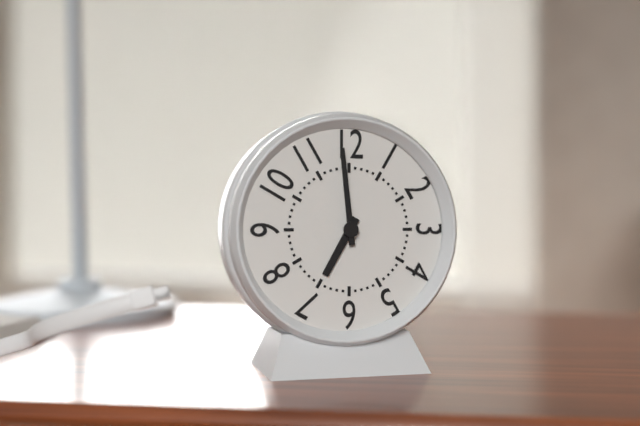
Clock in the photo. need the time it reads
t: 6:59
